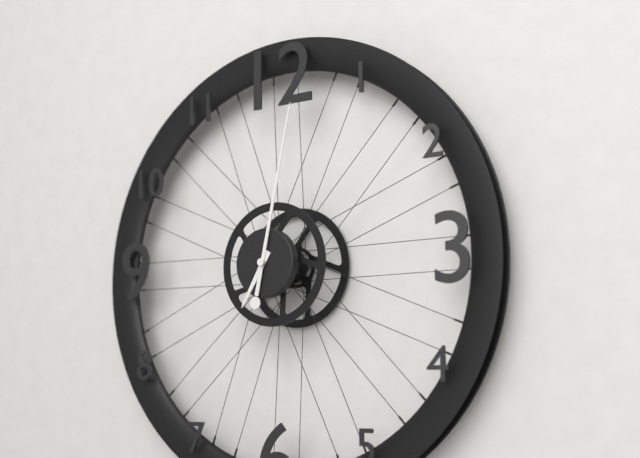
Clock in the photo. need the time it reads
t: 7:02
